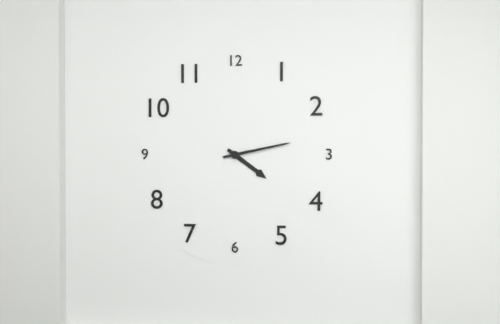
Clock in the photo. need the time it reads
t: 4:13
